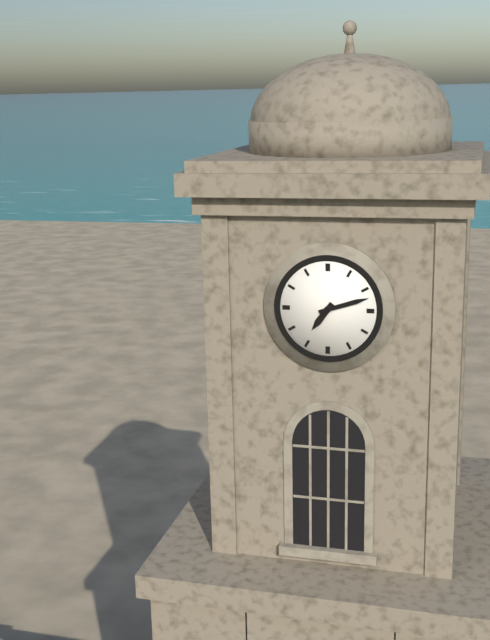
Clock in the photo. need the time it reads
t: 7:12
